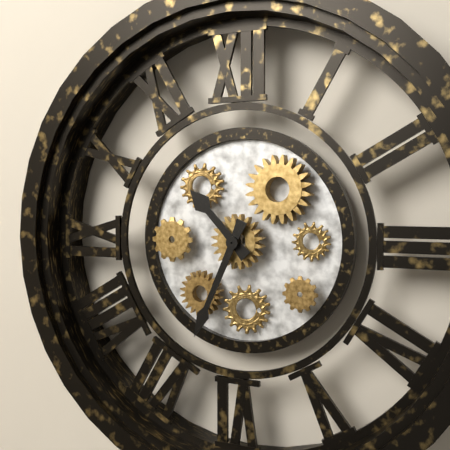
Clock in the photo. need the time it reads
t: 10:34
